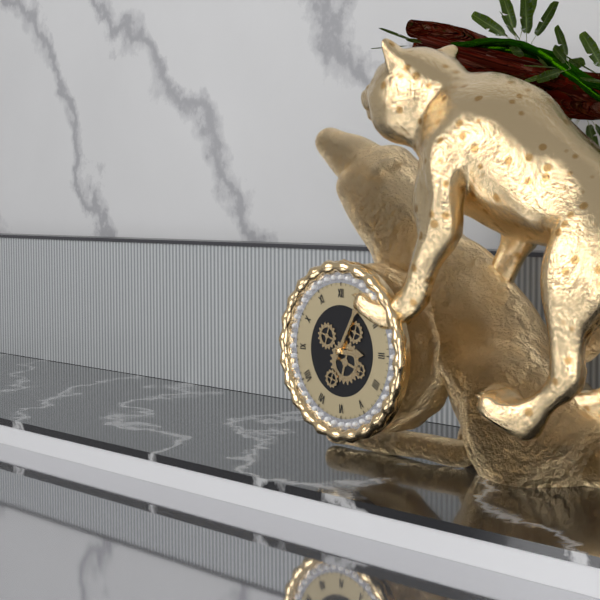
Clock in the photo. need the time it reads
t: 3:05
